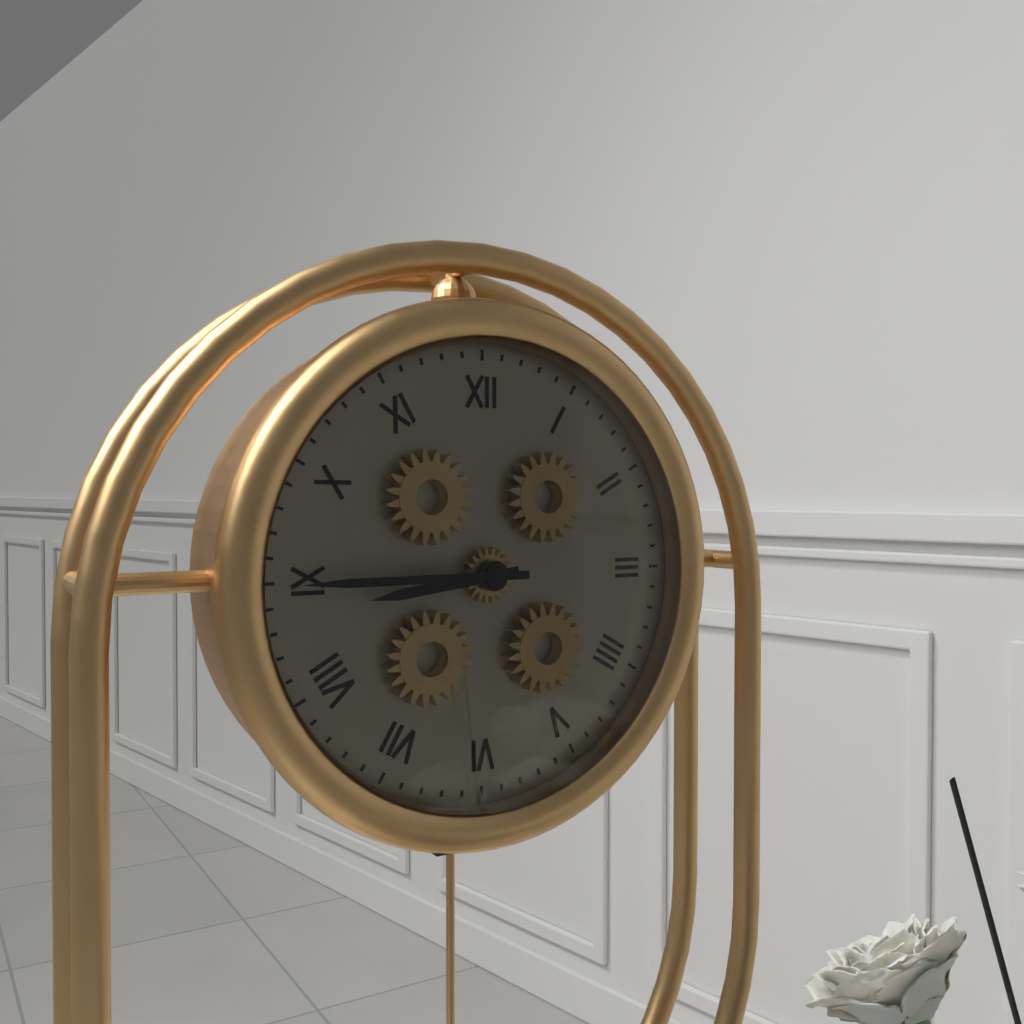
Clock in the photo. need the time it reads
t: 8:45
